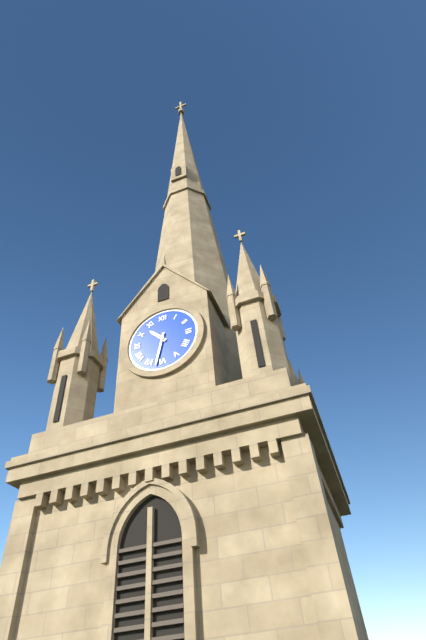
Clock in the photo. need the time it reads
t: 10:32
